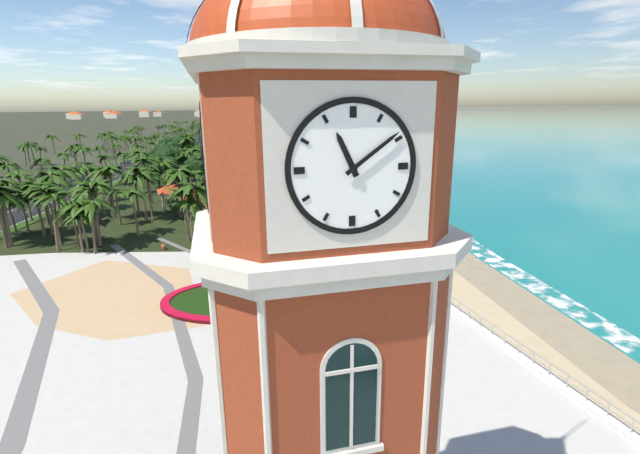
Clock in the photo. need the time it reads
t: 11:09
